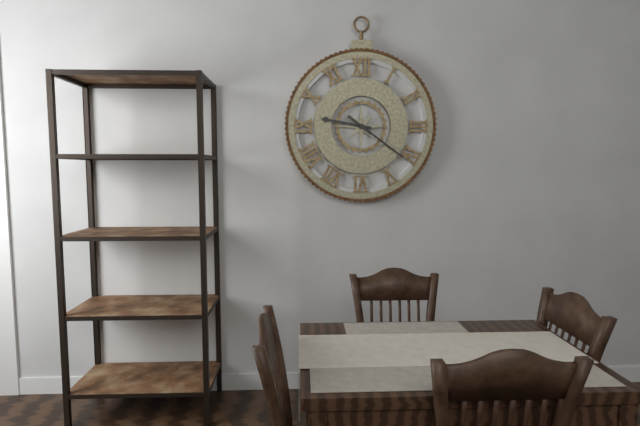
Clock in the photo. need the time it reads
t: 9:21
